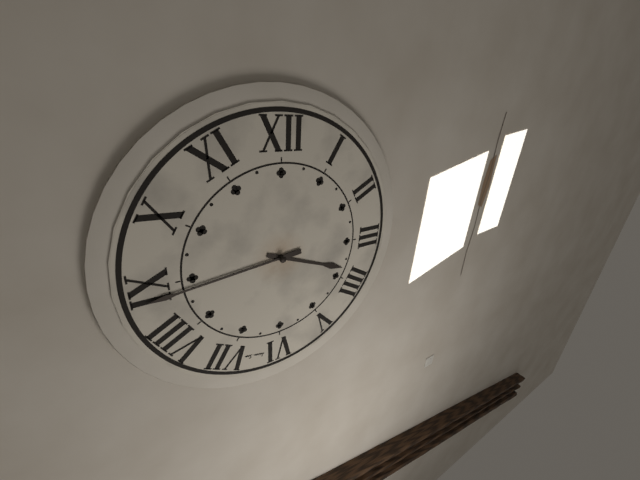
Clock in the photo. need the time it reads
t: 3:44
